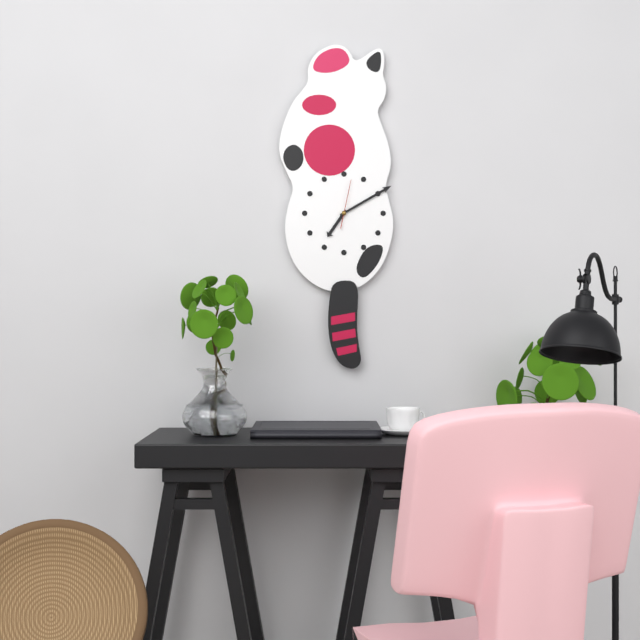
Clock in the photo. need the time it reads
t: 7:10
